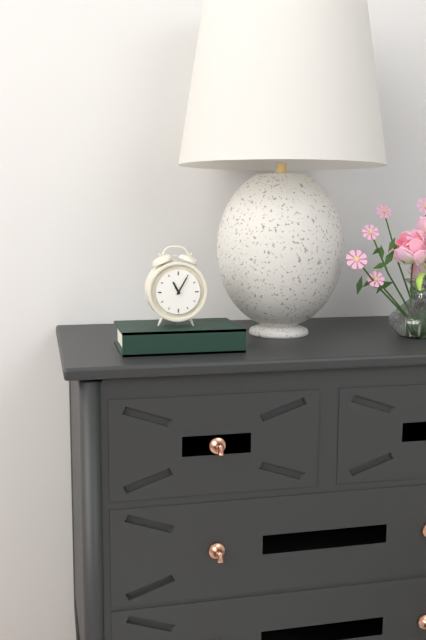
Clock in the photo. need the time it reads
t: 11:05
